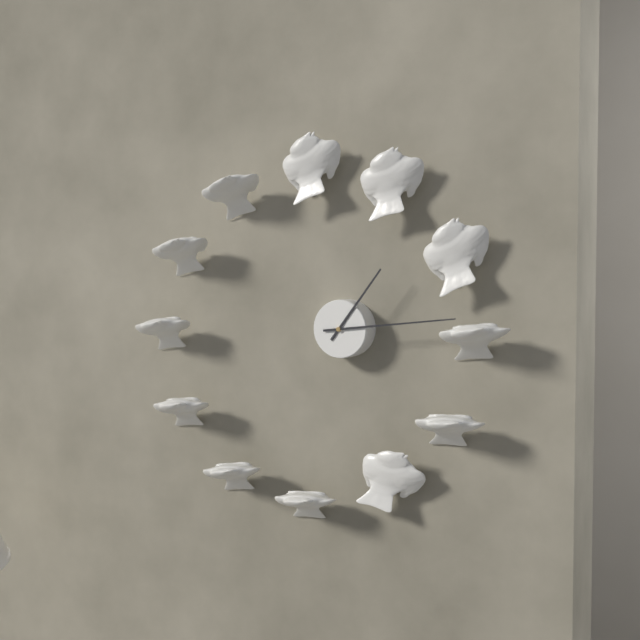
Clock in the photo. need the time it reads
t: 1:14
